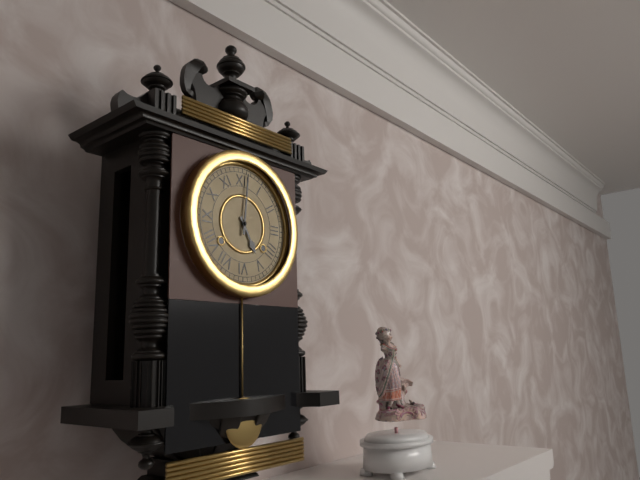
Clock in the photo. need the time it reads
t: 5:01
